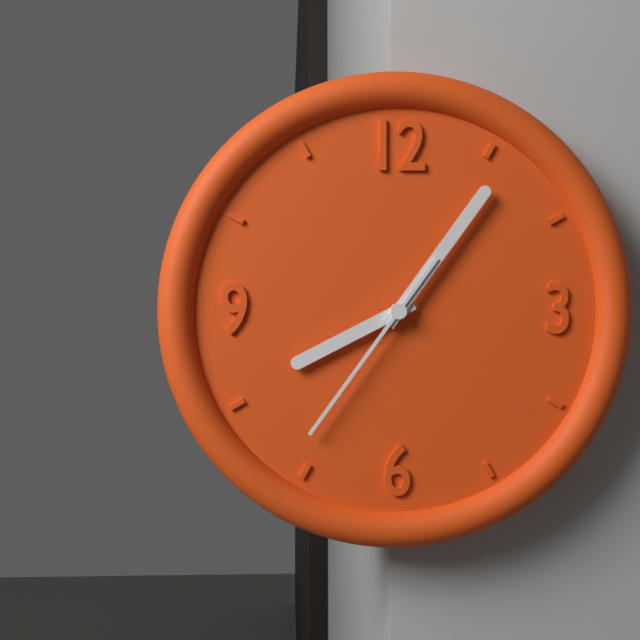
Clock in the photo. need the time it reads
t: 8:06:36
